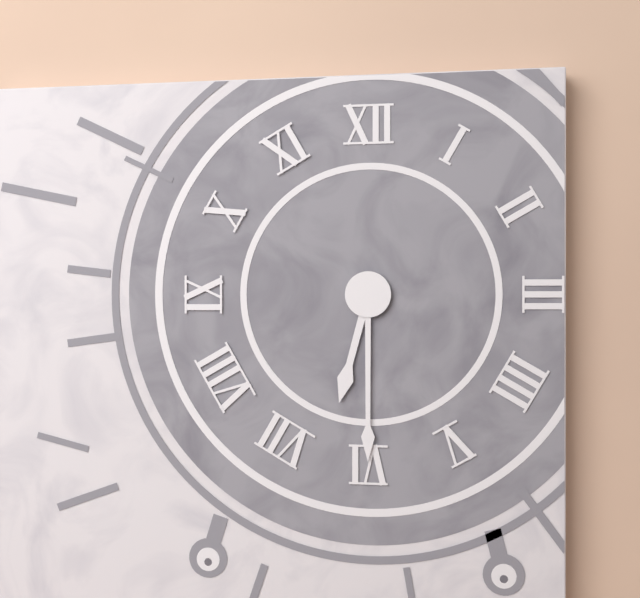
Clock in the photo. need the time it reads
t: 6:30
